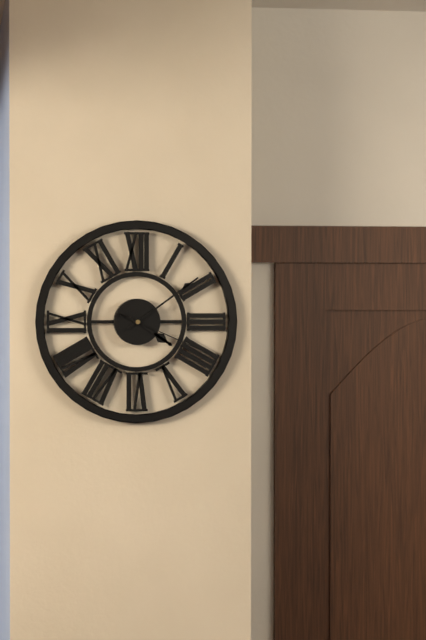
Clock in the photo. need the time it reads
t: 4:09:19
